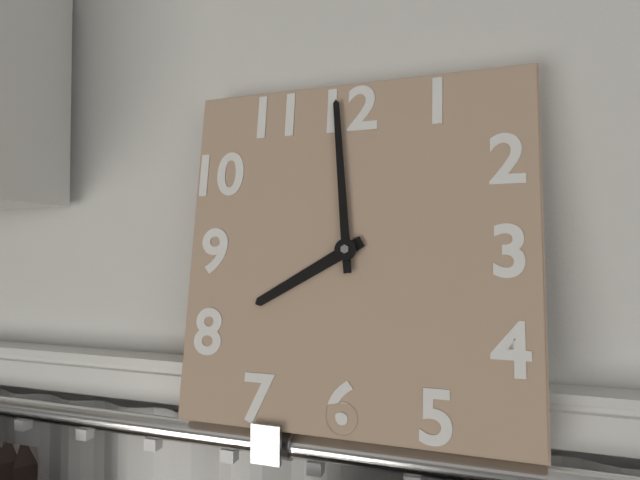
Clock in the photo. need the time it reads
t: 7:59
